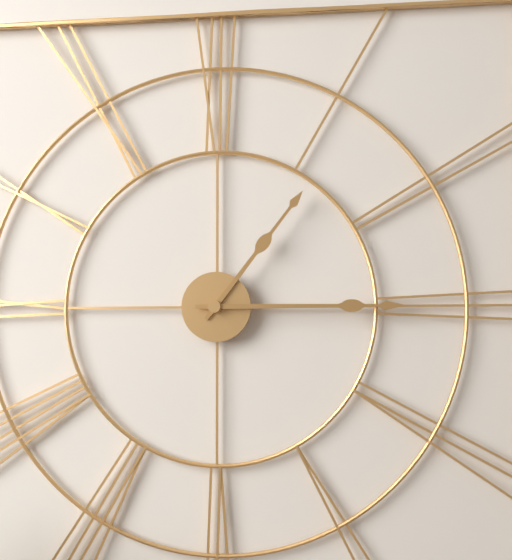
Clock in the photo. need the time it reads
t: 1:15
